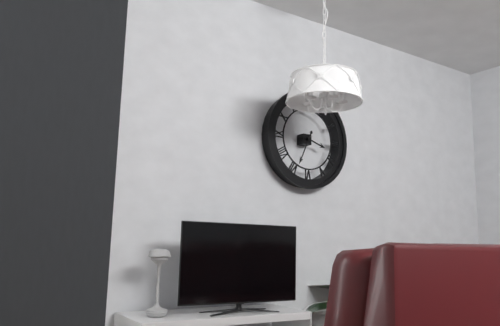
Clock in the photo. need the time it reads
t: 3:34
